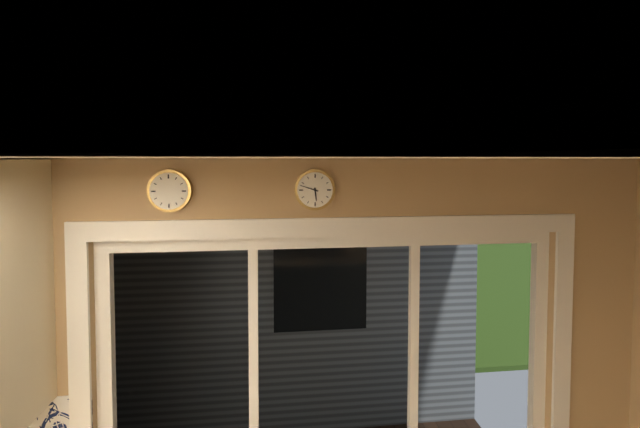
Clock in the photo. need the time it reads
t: 5:48
